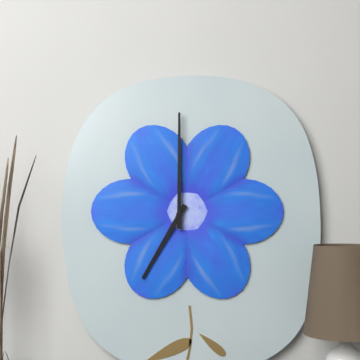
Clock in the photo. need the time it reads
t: 7:00
